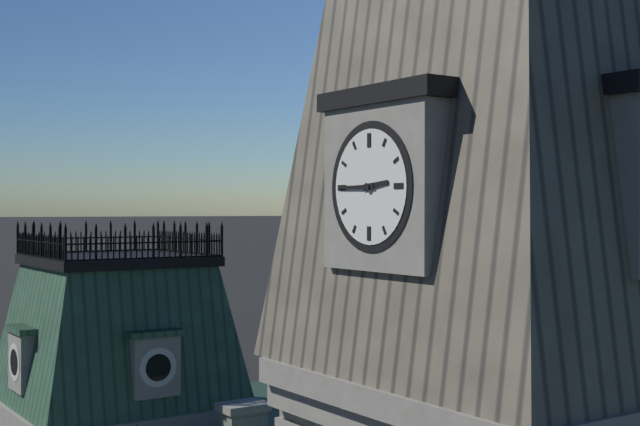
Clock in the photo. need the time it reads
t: 2:45
